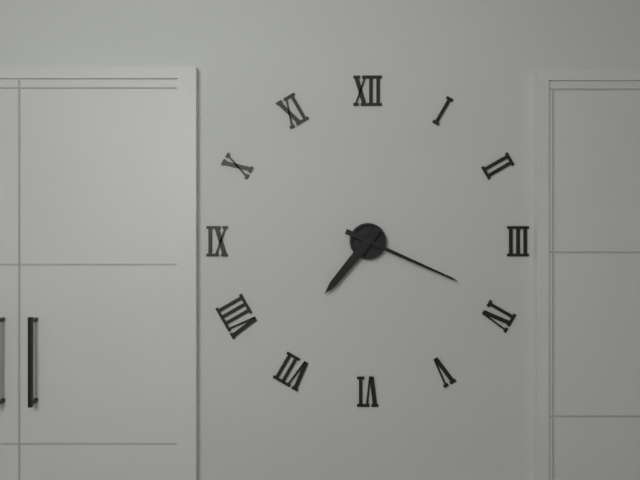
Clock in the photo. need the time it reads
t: 7:19
